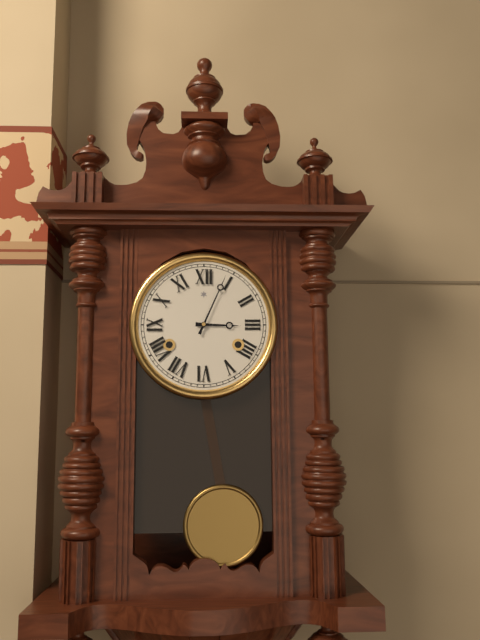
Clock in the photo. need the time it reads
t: 3:04
